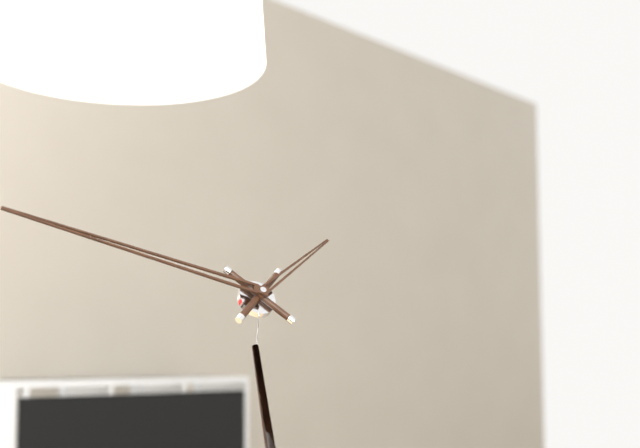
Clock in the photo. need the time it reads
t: 1:48
